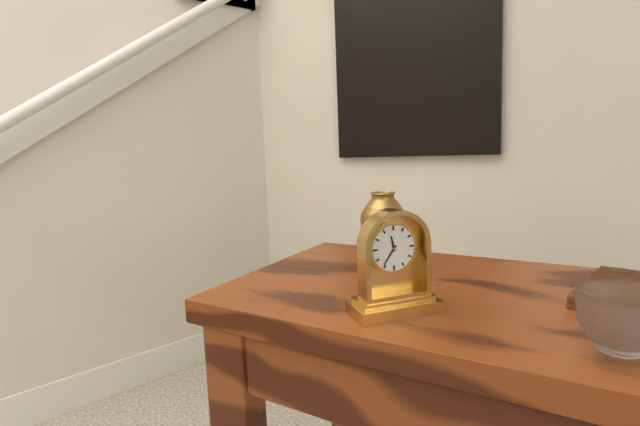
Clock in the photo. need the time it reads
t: 11:36
